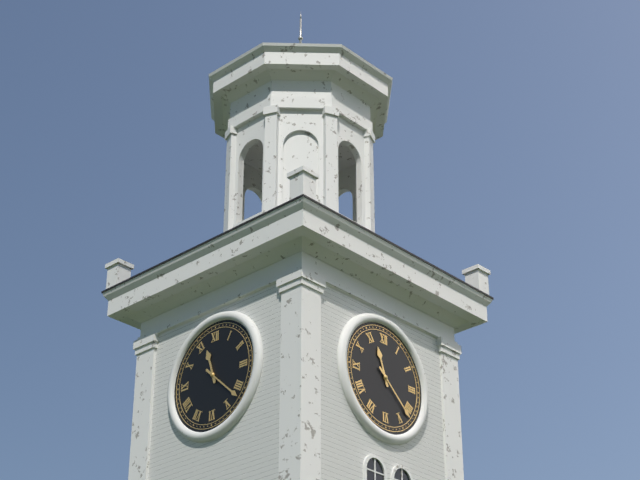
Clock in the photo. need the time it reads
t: 11:22
